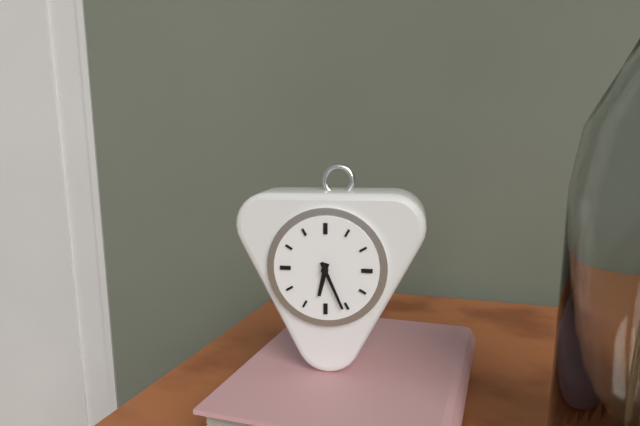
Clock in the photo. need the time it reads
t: 6:26
